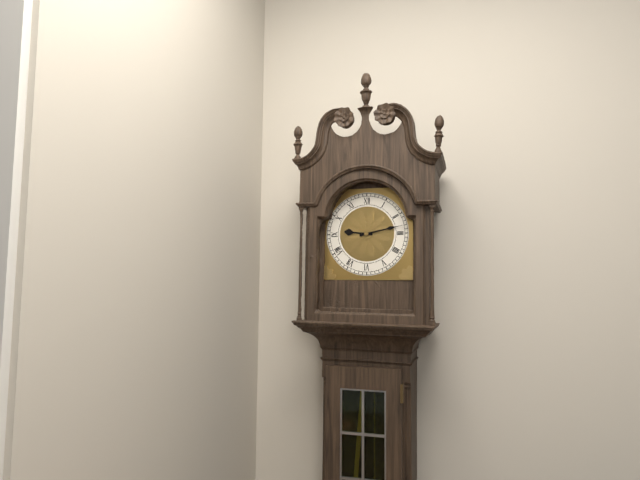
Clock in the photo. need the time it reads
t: 9:13
